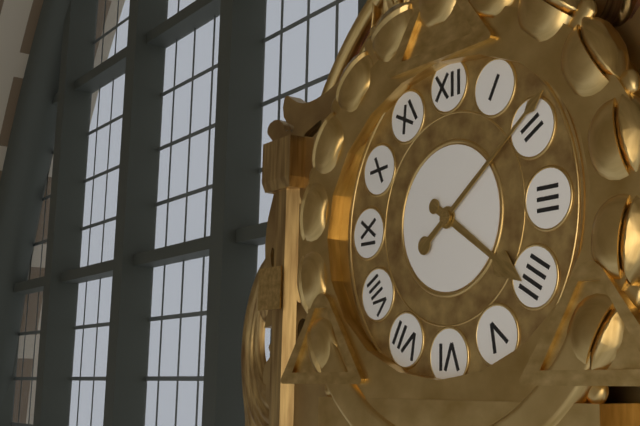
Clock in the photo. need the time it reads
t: 4:09
